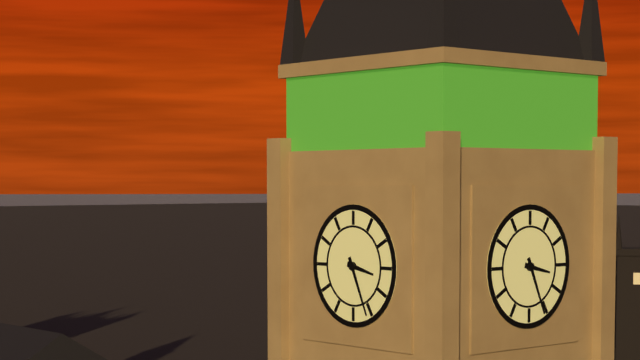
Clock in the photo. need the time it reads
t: 3:26
